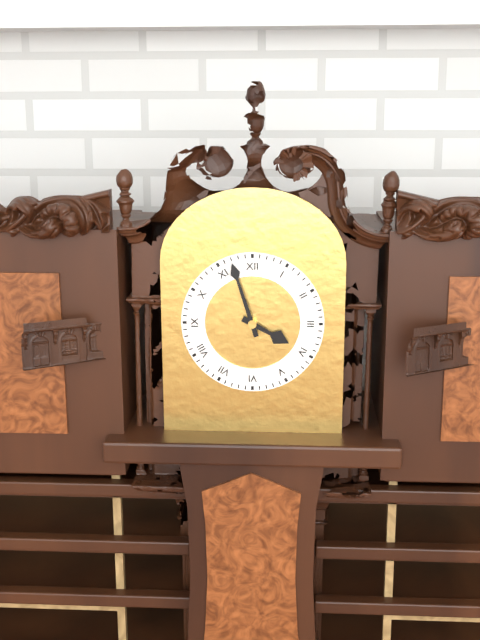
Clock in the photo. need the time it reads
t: 3:57
